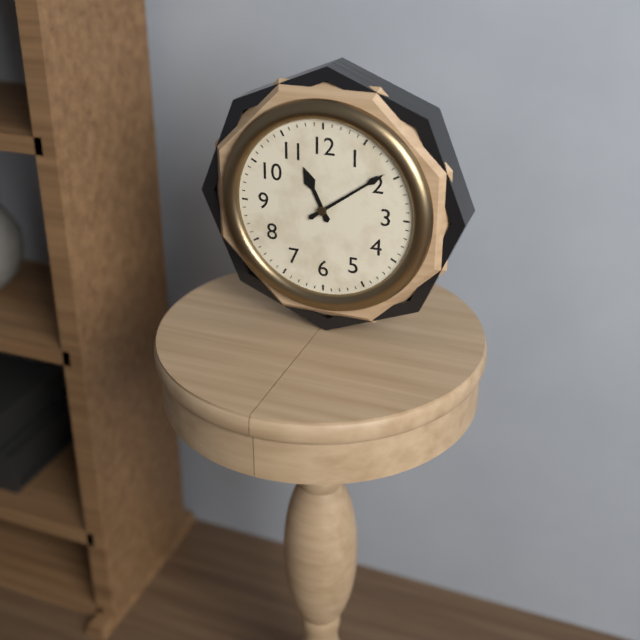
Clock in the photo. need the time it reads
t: 11:09
